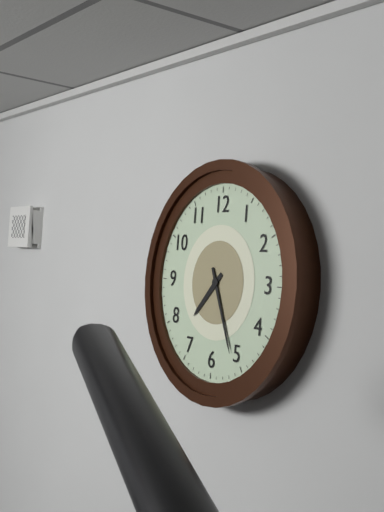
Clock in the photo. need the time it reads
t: 7:26
